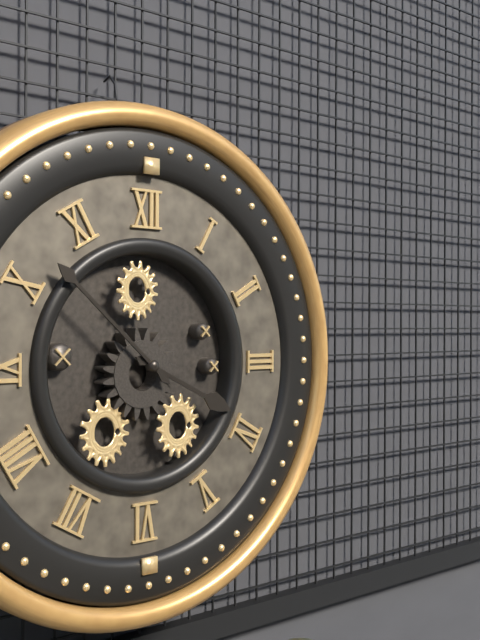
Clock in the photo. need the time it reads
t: 3:52
